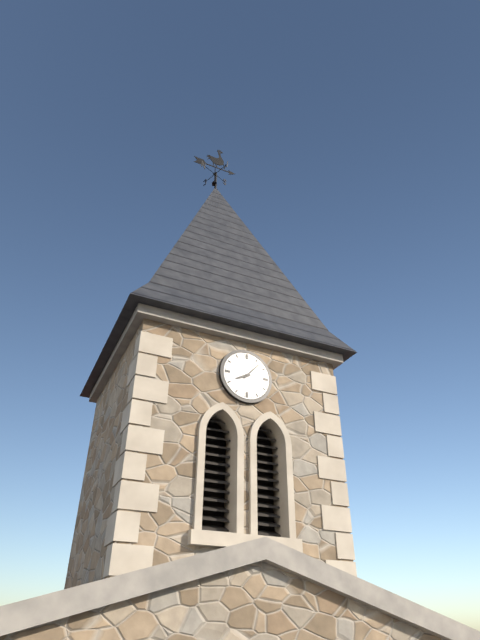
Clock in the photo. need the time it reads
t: 8:07
